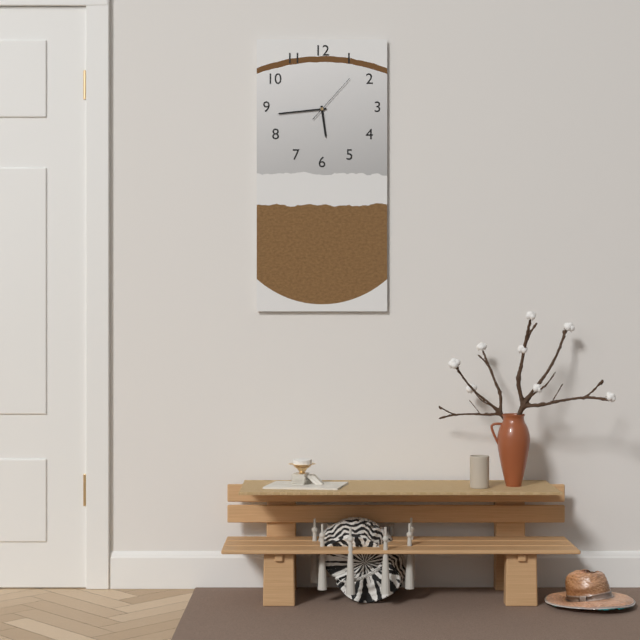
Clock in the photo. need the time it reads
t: 5:44:07
